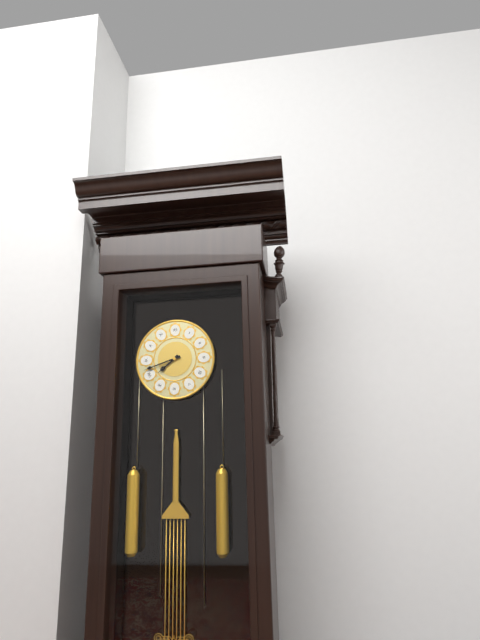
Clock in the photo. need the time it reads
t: 7:42
